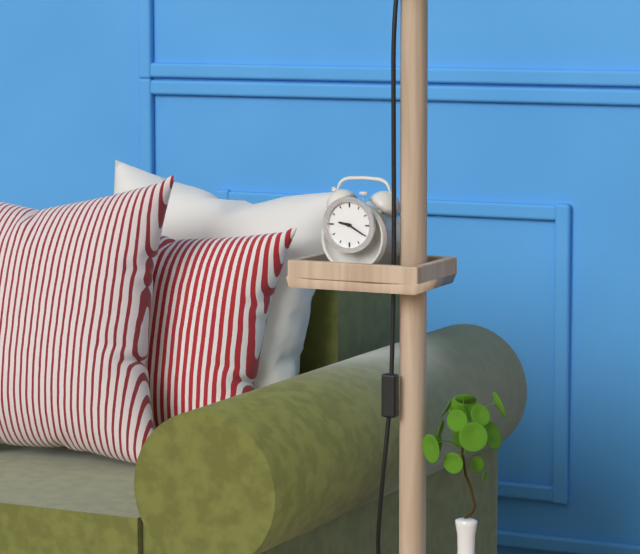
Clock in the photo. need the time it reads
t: 9:20
